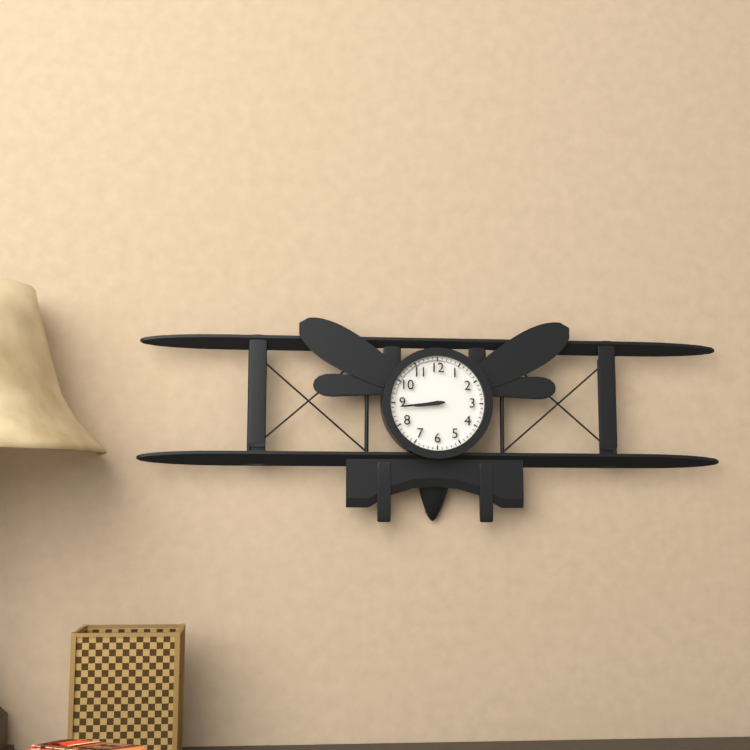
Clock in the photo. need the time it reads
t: 8:44
